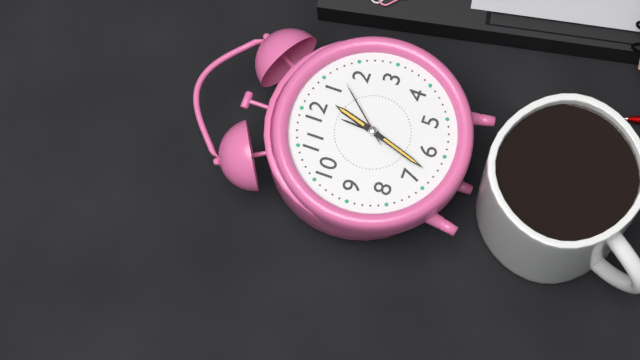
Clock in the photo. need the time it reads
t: 12:33:07
